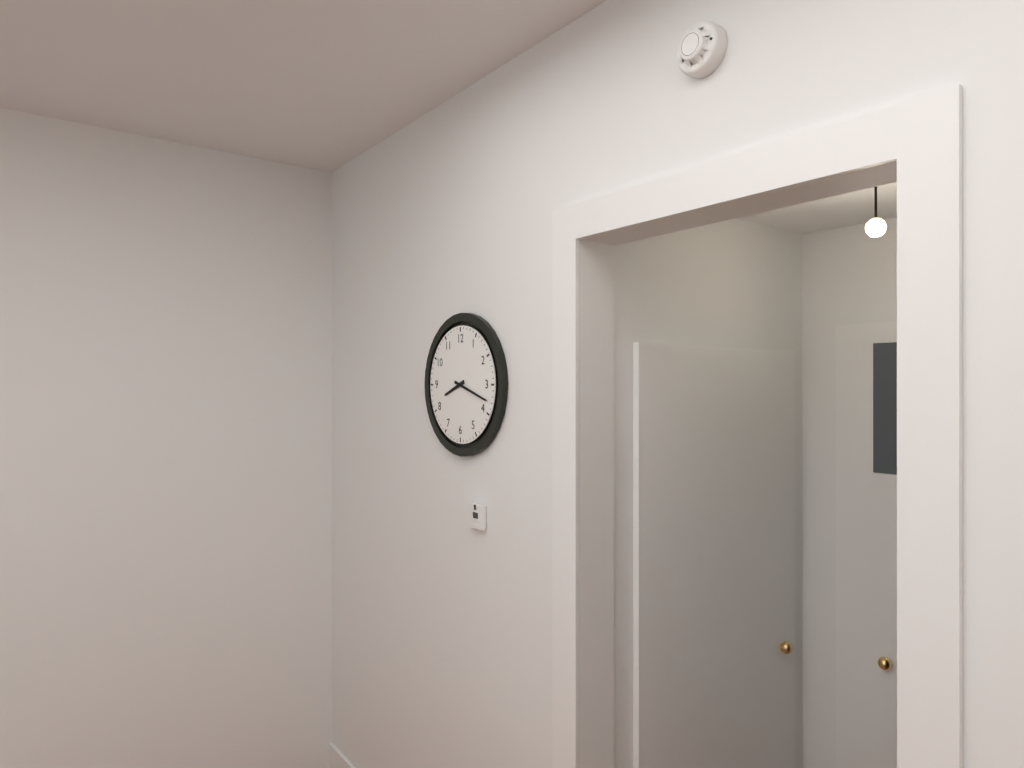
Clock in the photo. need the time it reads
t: 8:18
